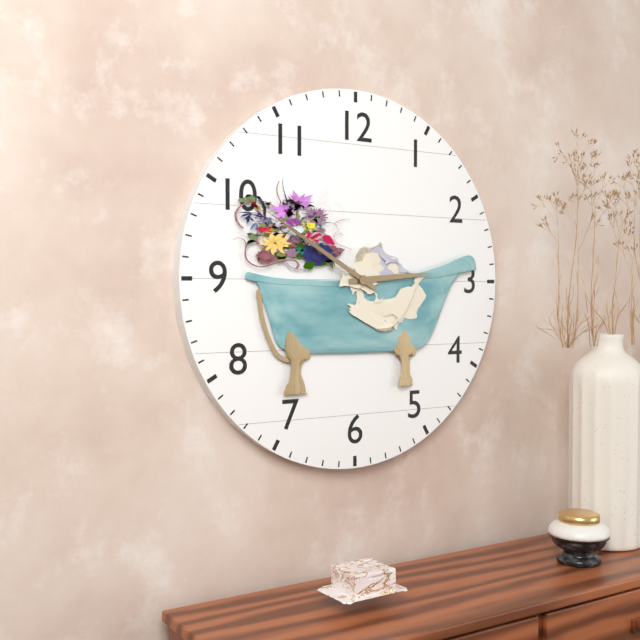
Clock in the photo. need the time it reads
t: 2:50
